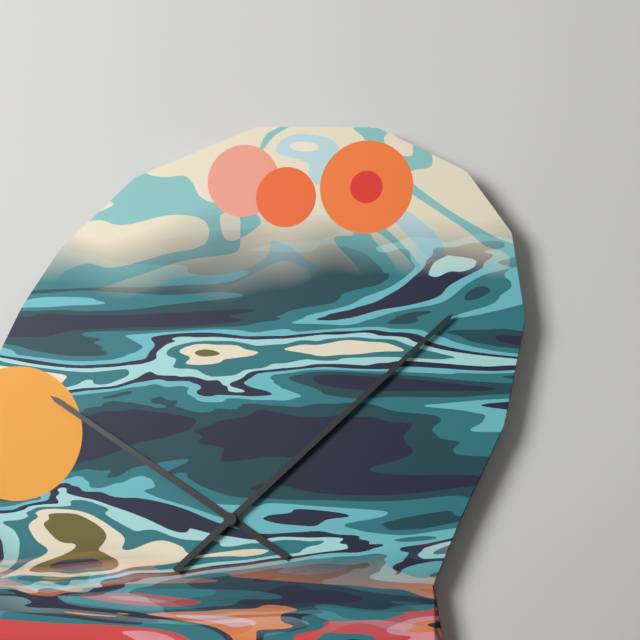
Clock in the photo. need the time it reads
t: 10:08
